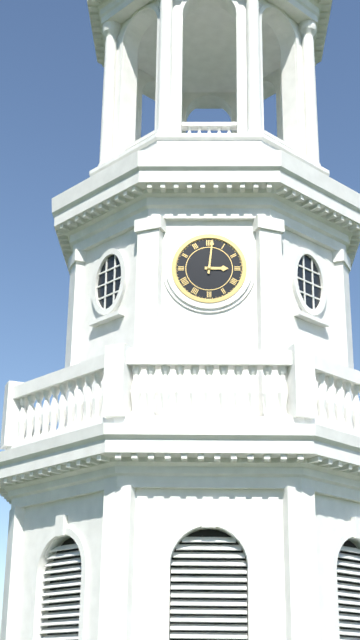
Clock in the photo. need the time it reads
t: 3:01
